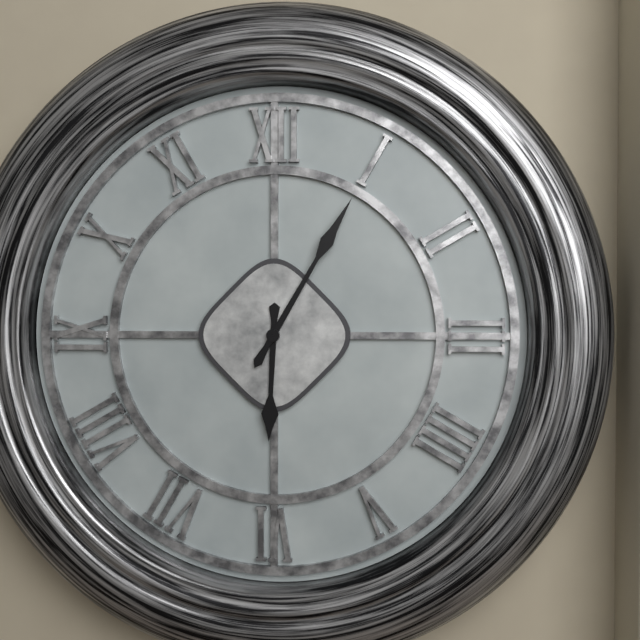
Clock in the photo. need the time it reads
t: 6:05
